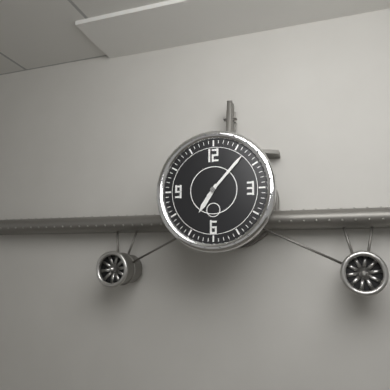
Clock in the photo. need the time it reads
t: 7:07
